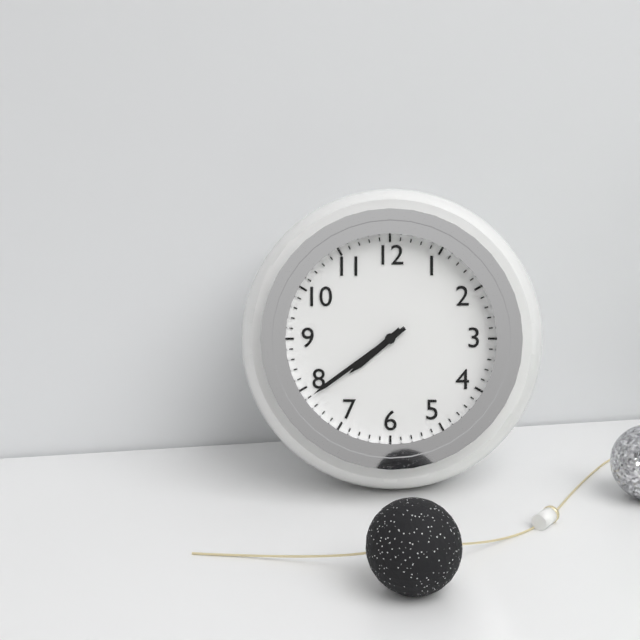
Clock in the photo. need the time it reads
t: 7:39
